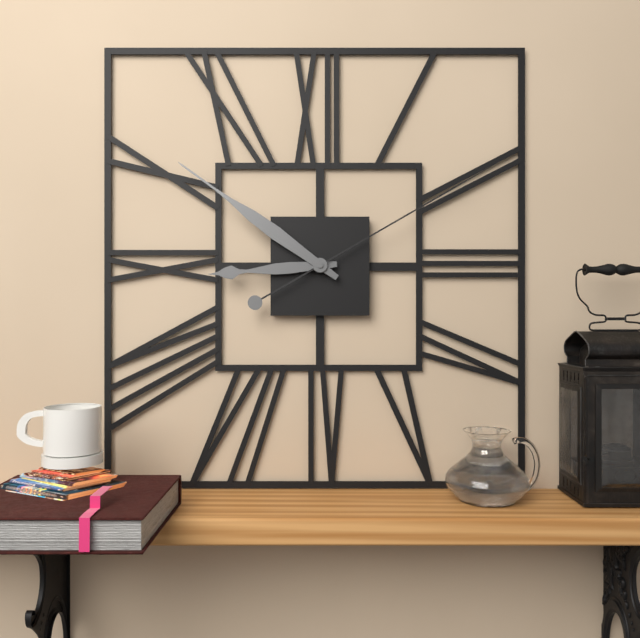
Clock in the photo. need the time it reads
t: 8:51:10
